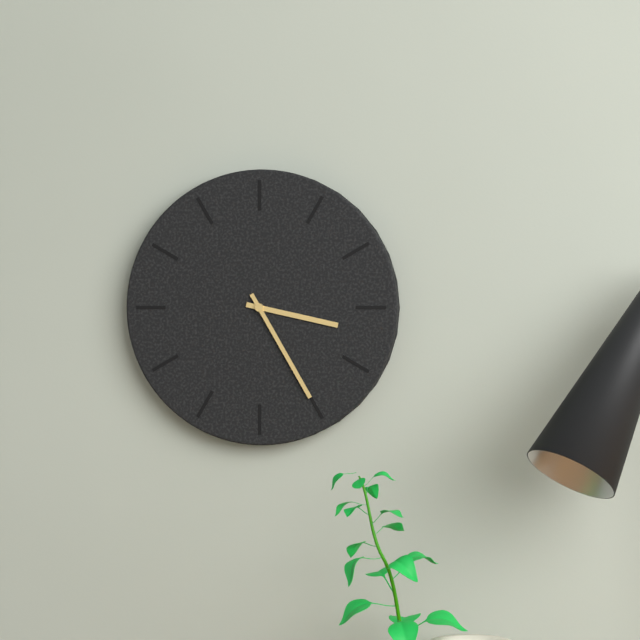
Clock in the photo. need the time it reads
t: 3:25
